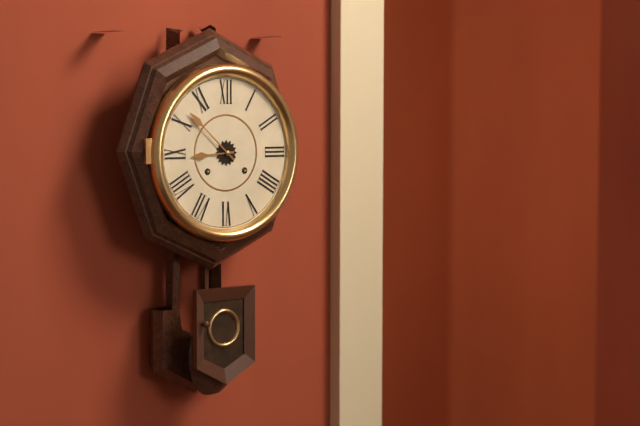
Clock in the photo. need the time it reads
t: 8:52
